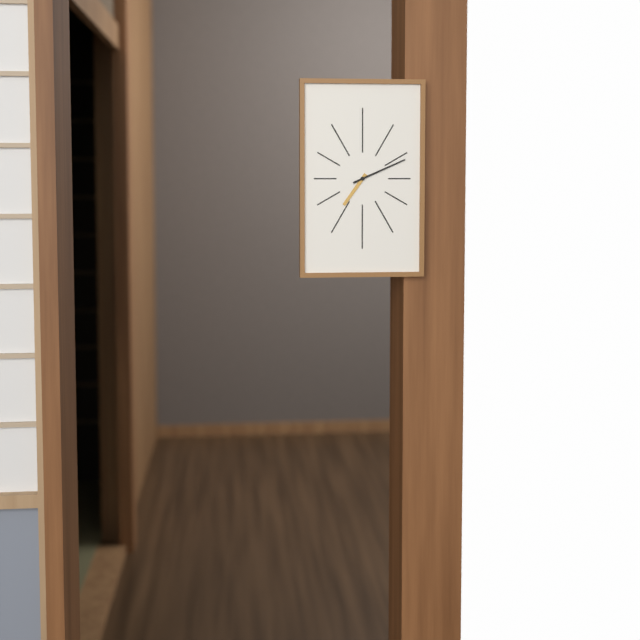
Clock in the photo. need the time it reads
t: 7:11
